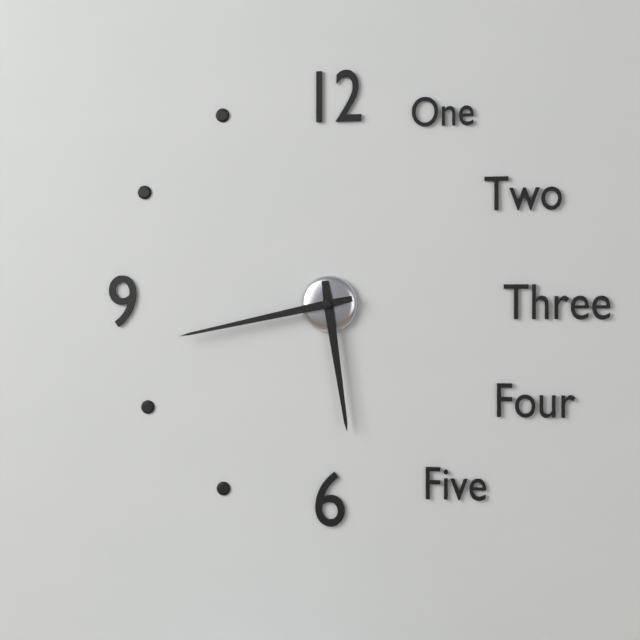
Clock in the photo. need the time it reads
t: 5:43
